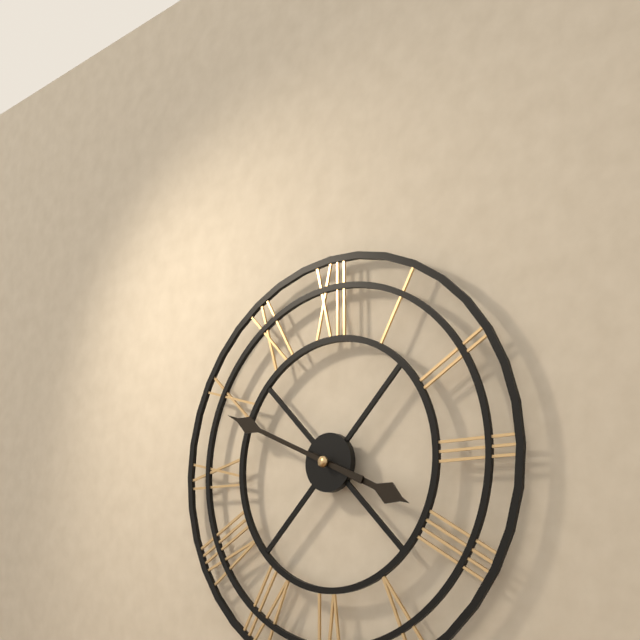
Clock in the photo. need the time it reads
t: 3:49
